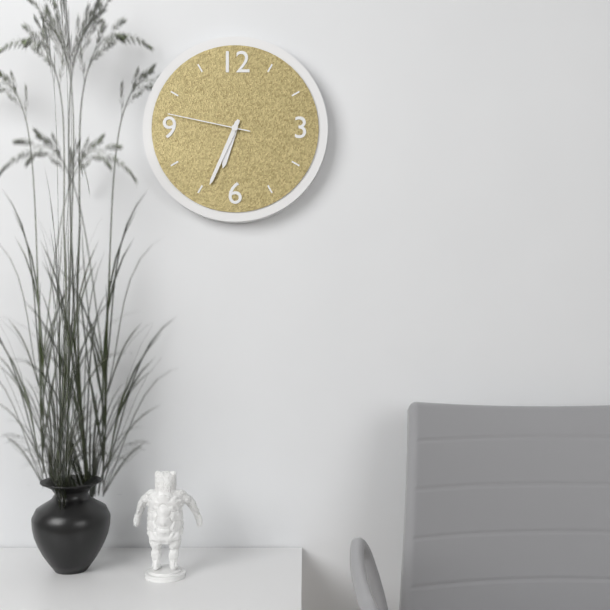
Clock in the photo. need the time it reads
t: 6:34:47
